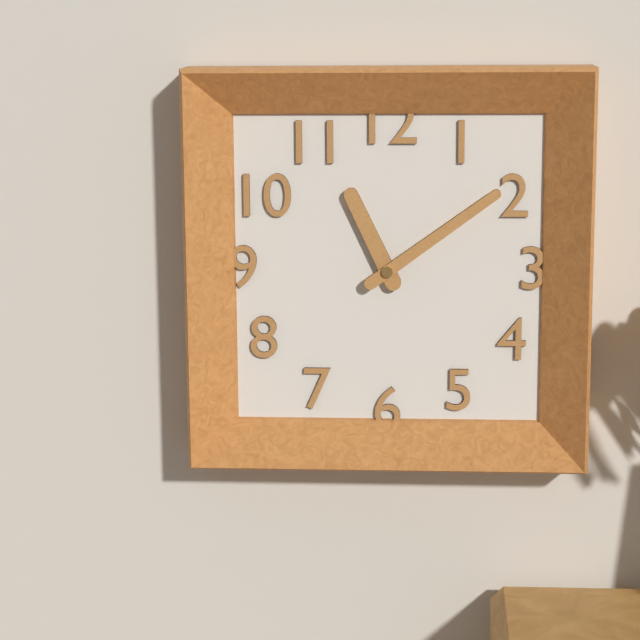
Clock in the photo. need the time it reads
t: 11:09
